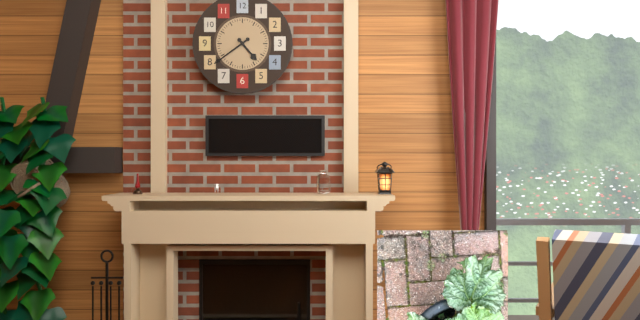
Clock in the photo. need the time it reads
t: 4:39
